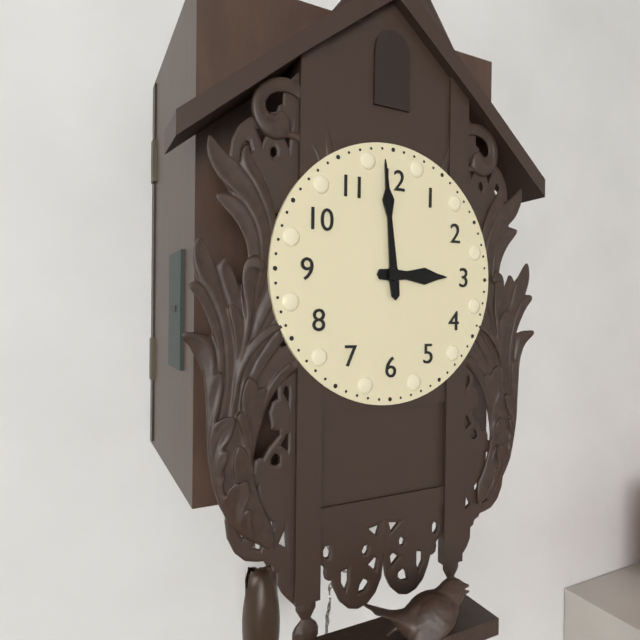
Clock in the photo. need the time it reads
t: 2:59
